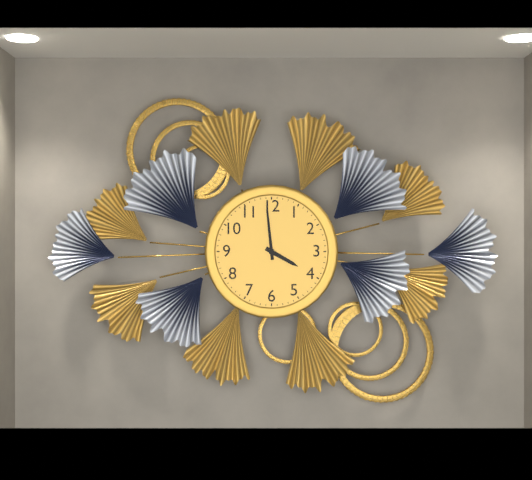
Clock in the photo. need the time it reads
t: 3:59
